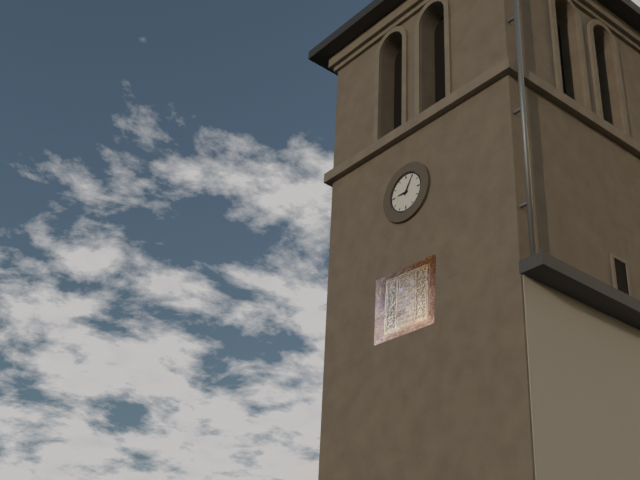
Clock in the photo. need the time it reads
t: 9:05
